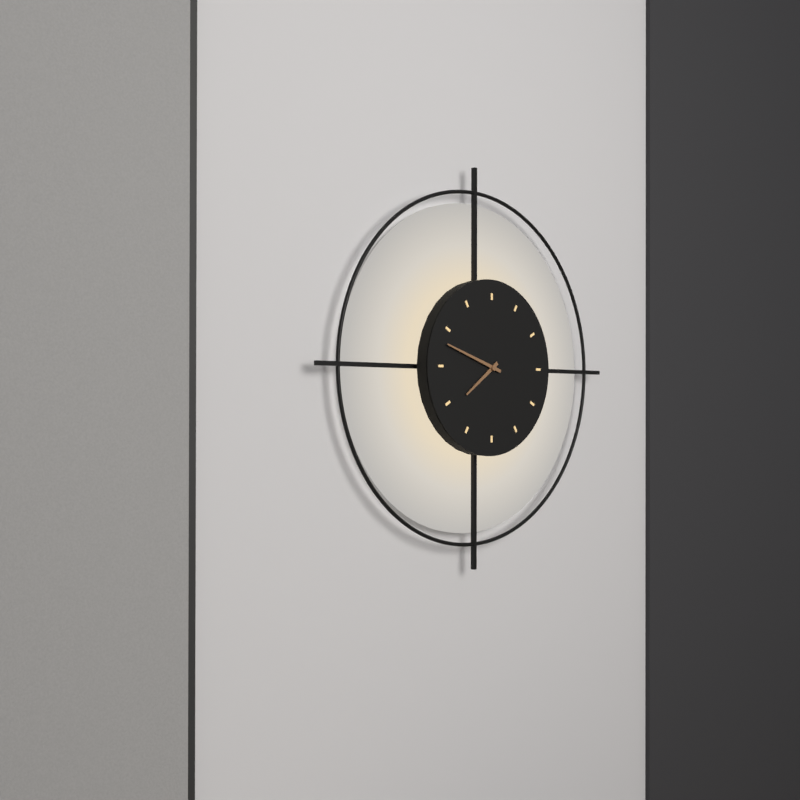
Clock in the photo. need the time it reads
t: 7:48
